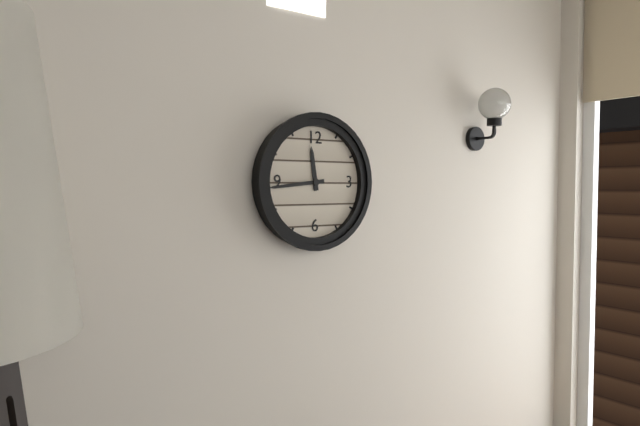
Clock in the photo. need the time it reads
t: 11:44
